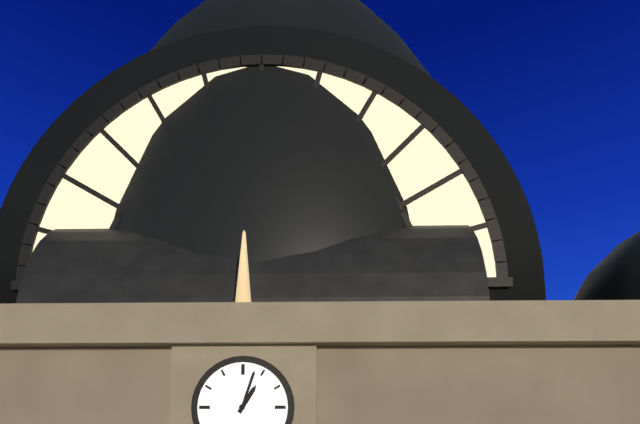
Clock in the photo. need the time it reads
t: 1:03
